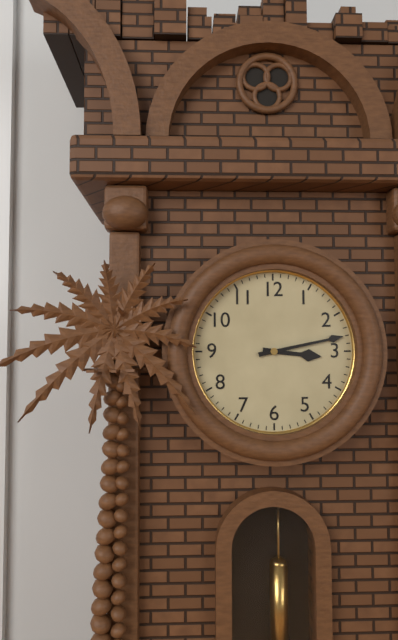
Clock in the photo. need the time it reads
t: 3:13
